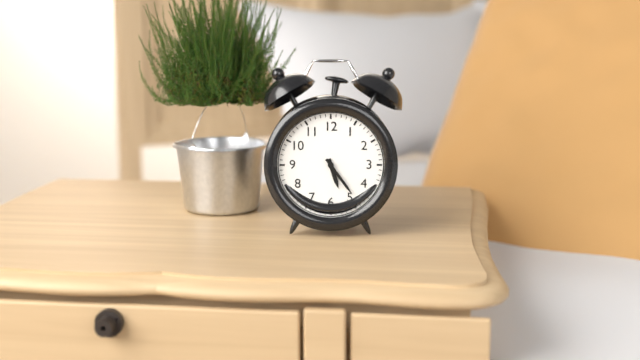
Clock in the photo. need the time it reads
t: 5:24
